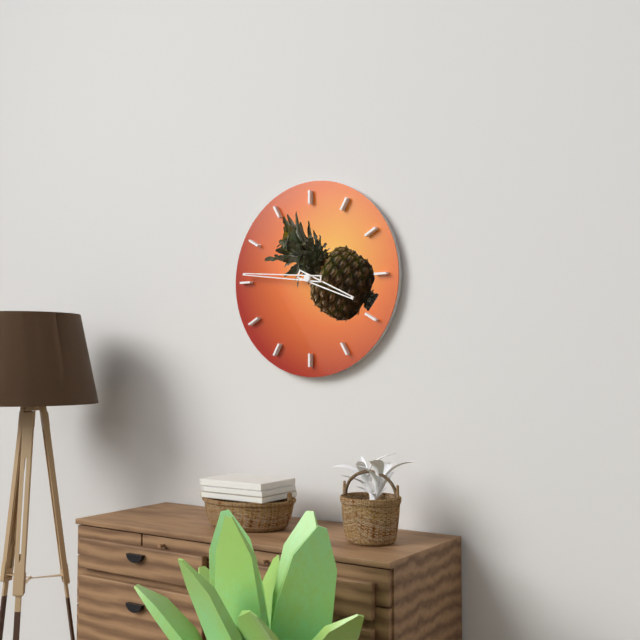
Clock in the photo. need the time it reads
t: 3:46
